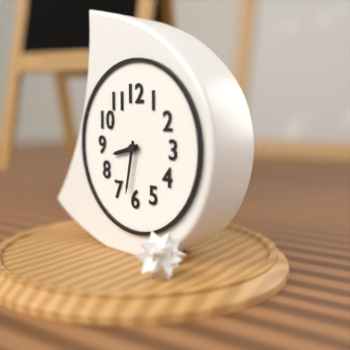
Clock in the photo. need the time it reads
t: 8:32
